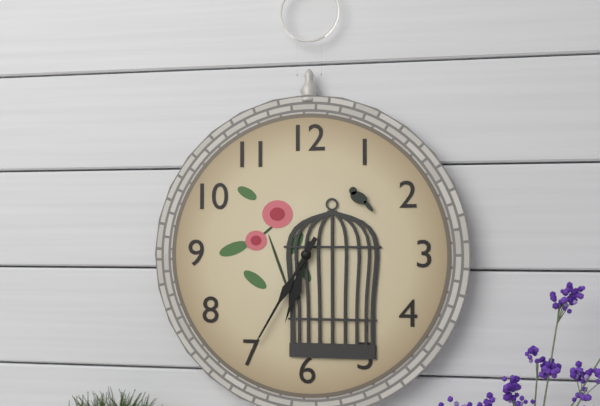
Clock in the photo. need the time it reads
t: 6:35
